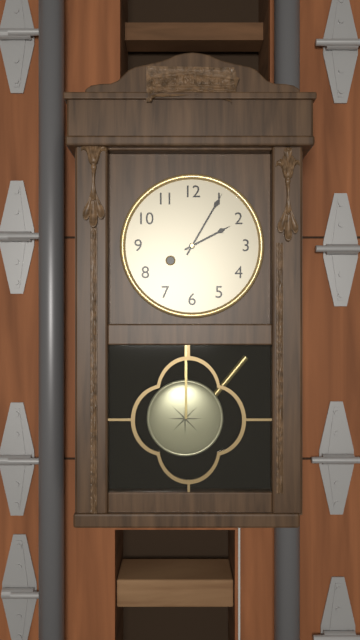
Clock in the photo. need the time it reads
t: 2:05
